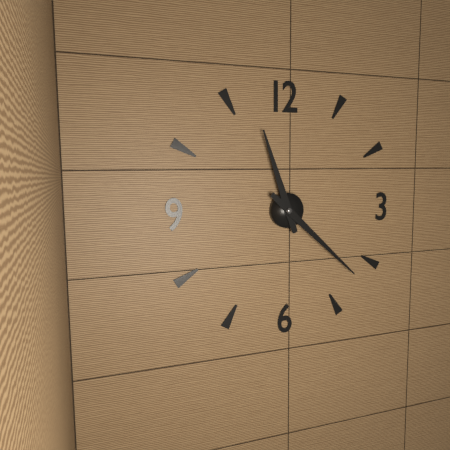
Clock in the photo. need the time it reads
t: 11:22
